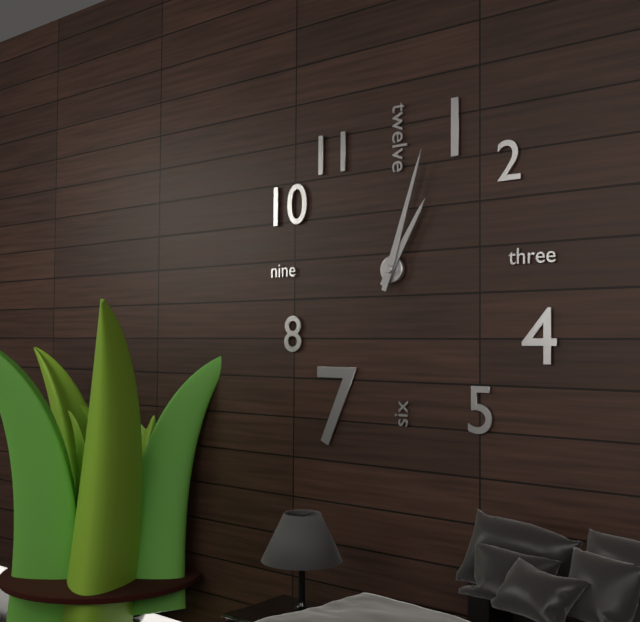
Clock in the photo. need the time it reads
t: 1:03
